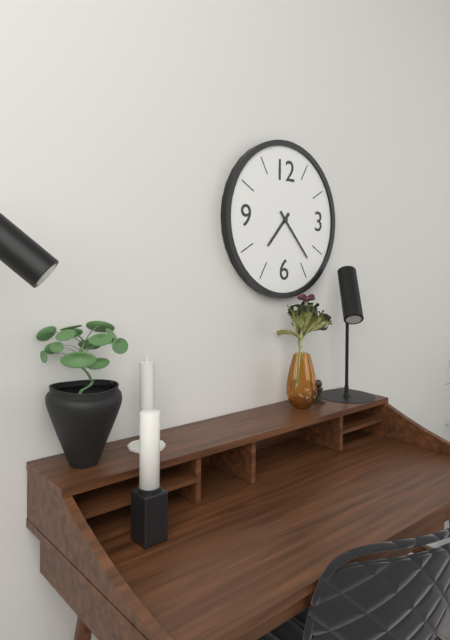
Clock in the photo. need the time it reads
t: 7:23
